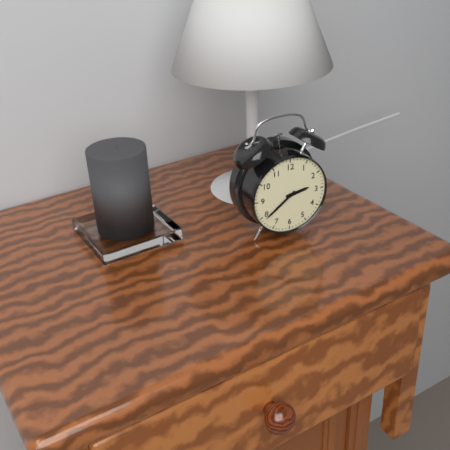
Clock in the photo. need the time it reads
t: 2:39
